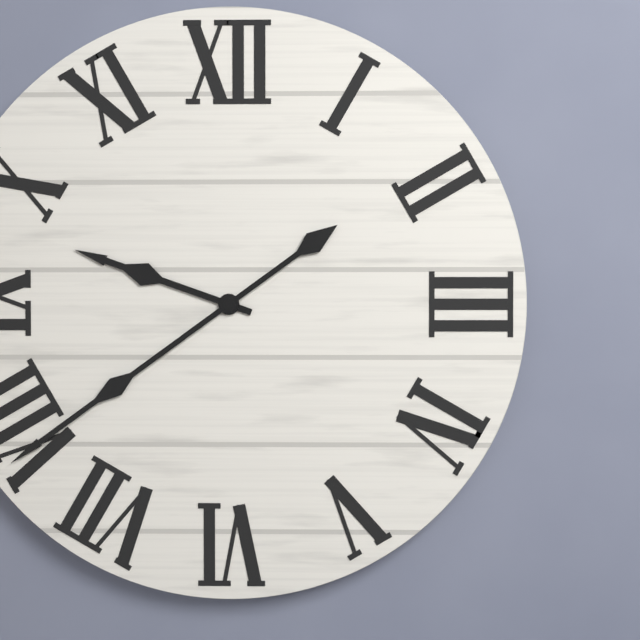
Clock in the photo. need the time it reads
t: 9:39
